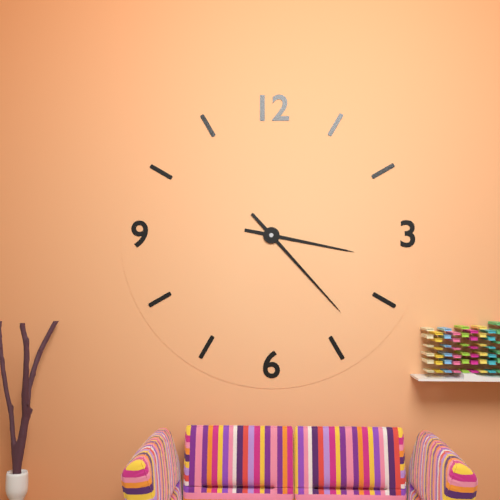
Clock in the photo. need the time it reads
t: 3:23
